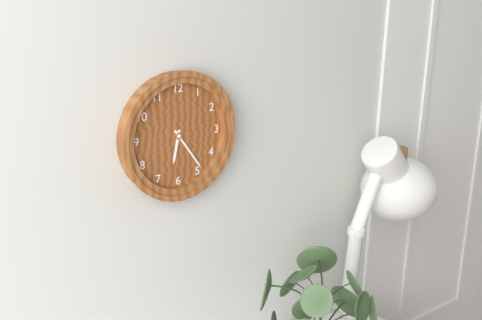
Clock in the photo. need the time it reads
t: 6:24
